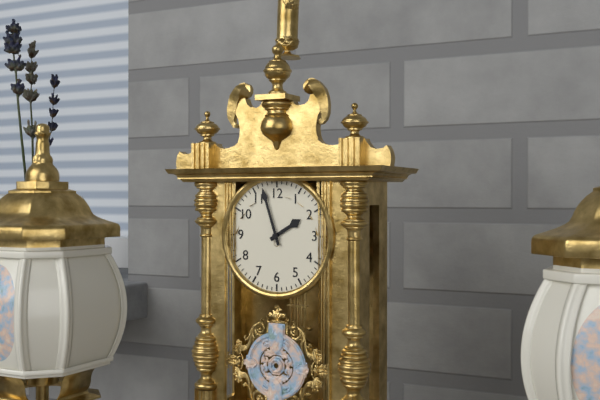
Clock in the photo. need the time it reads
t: 1:57
